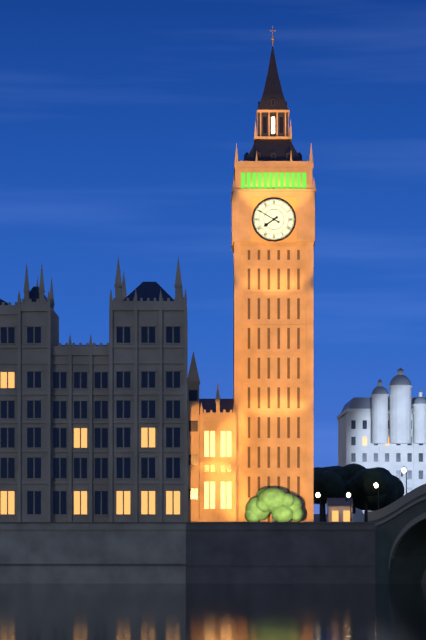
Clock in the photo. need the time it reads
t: 7:50
